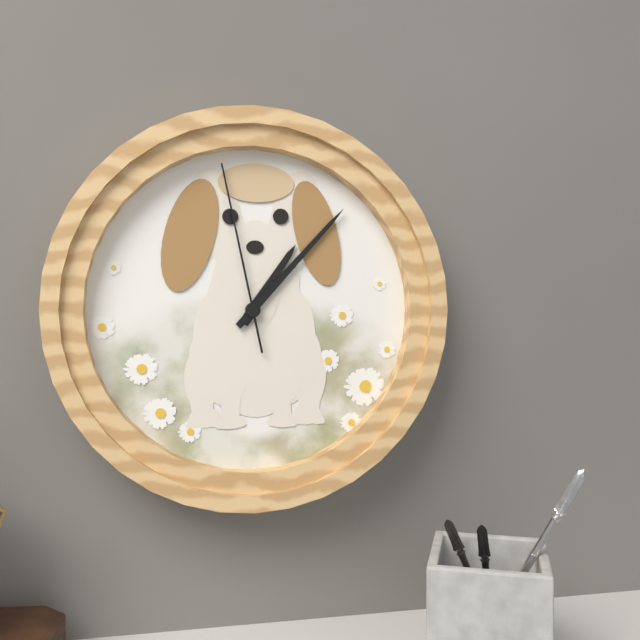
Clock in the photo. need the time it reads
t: 1:07:58
